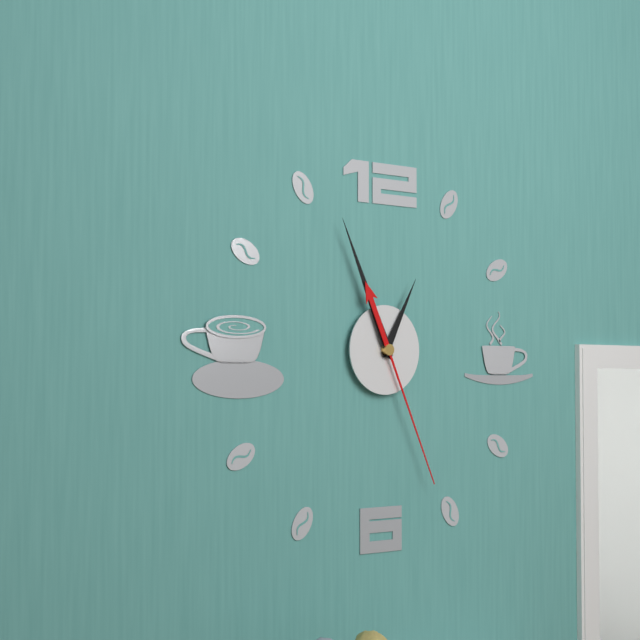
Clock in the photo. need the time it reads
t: 12:56:26
